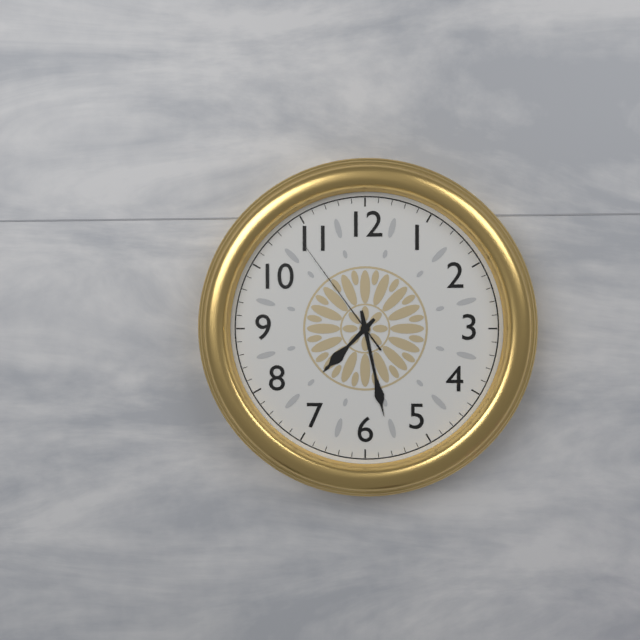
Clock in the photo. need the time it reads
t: 7:28:54
